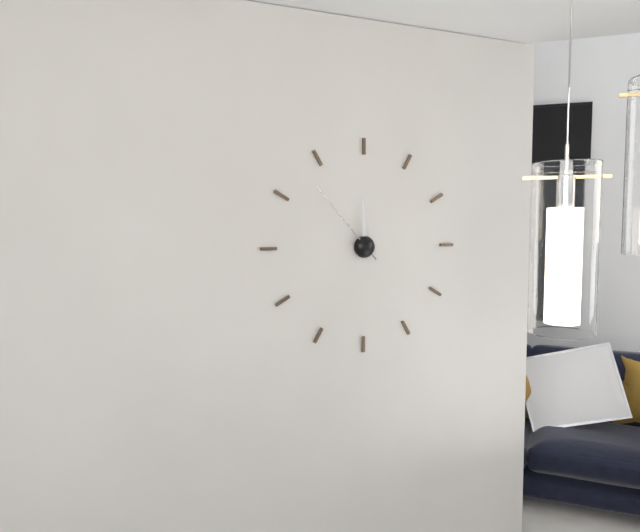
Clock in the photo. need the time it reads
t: 11:53
